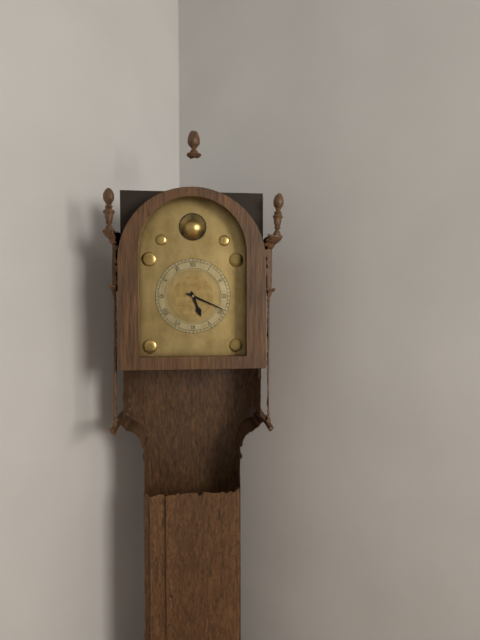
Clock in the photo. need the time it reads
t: 5:19
